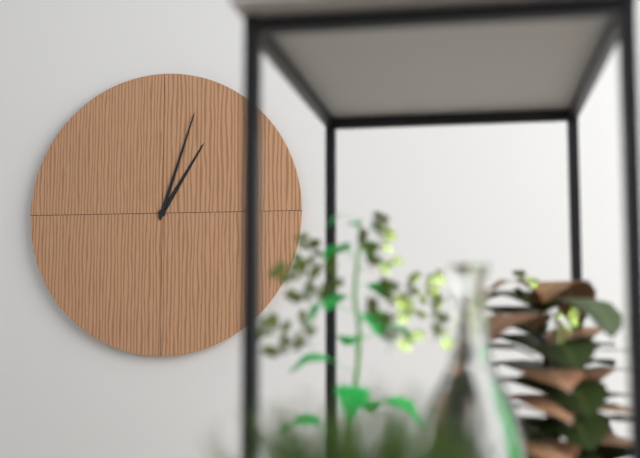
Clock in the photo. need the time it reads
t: 1:03
